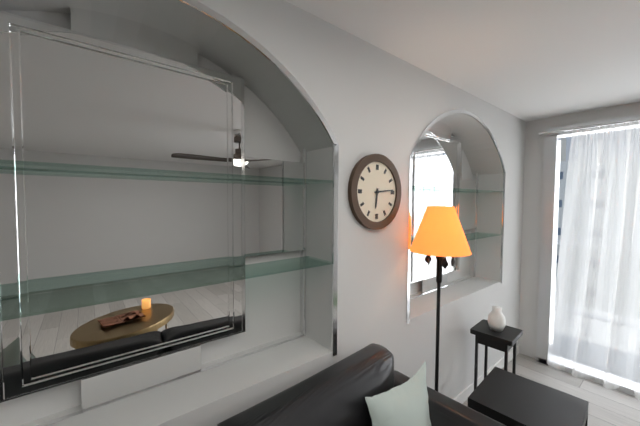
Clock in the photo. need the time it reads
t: 6:14
